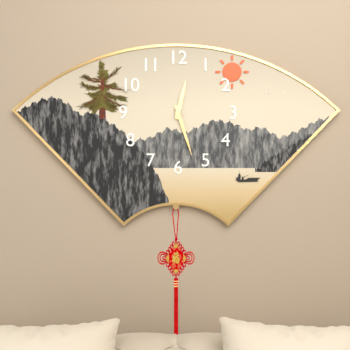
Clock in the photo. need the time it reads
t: 12:27
